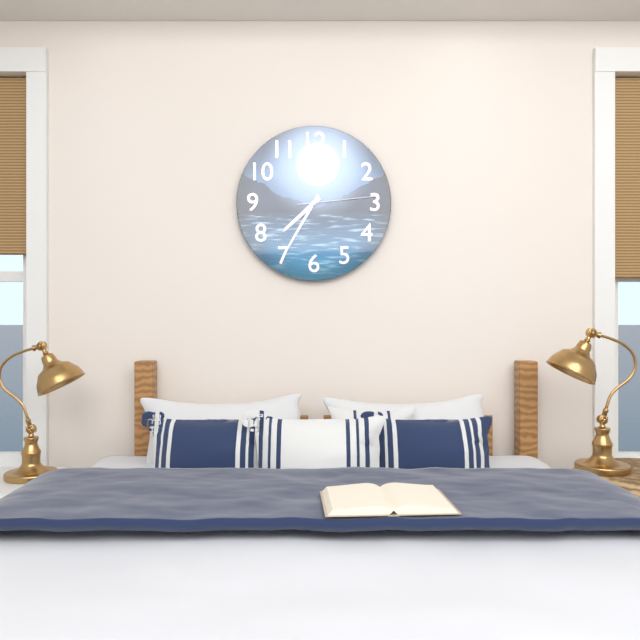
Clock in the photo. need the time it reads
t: 7:35:14
